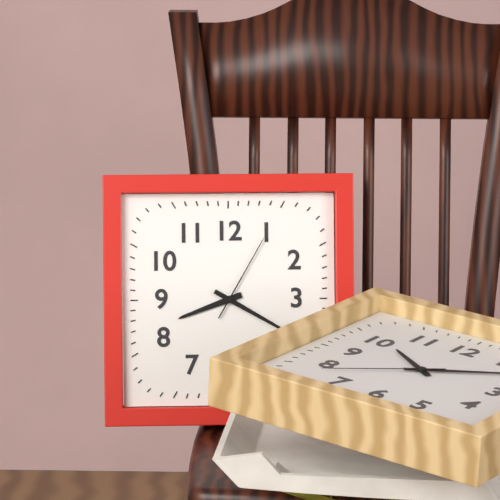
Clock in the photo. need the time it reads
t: 8:20:05
